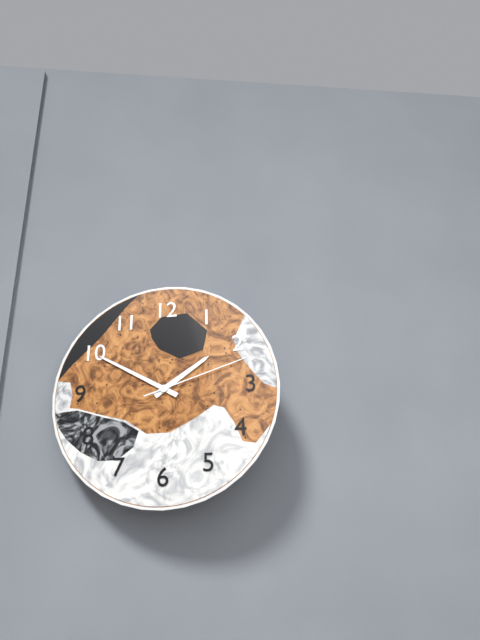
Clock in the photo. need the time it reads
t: 1:50:12
